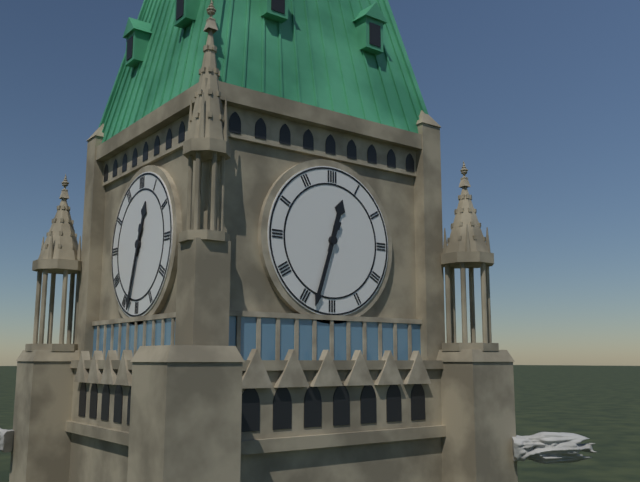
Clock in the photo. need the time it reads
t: 12:33
